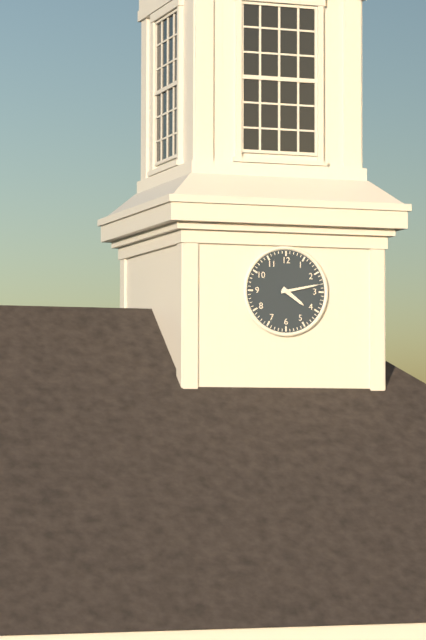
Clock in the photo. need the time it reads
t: 4:13
